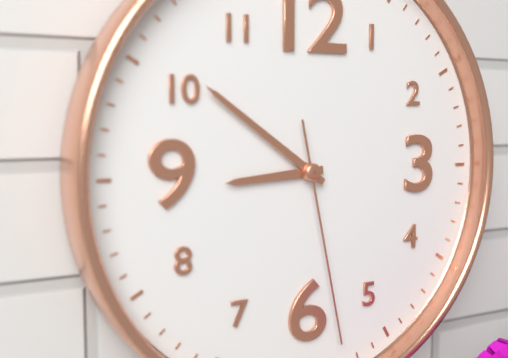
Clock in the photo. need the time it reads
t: 8:51:28
